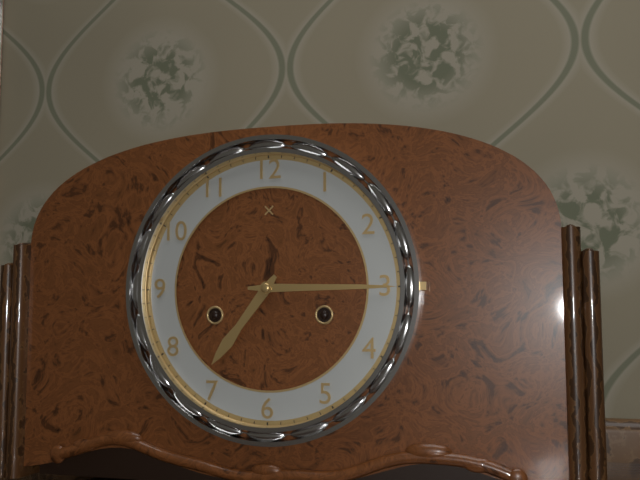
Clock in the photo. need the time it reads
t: 7:15
